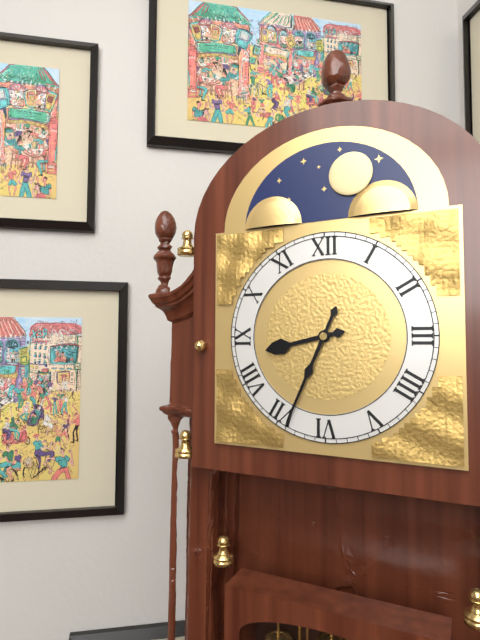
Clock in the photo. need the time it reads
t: 8:34
